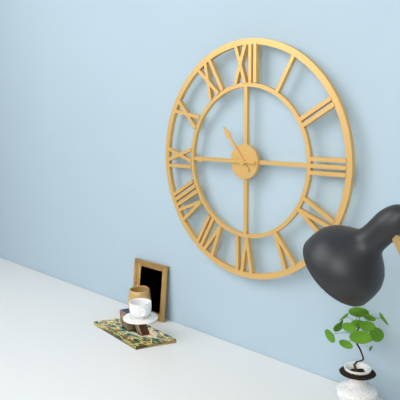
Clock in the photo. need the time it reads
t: 10:45
